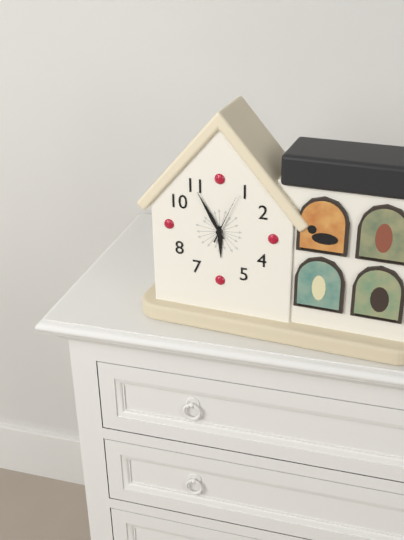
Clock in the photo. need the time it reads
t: 5:55
